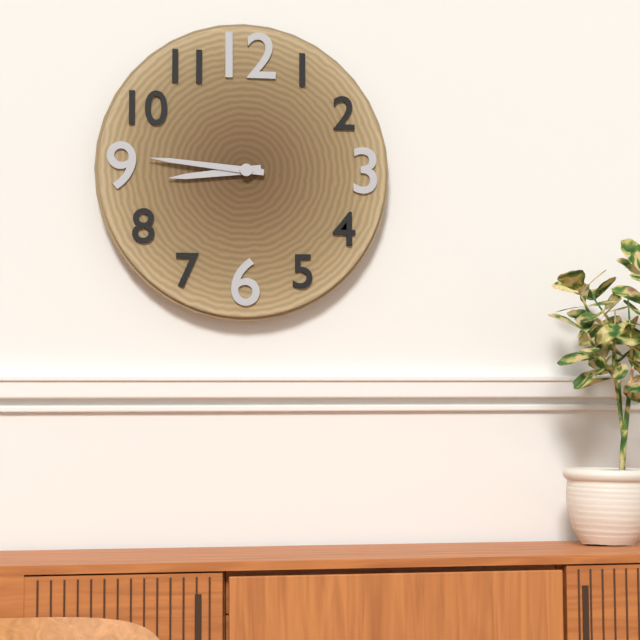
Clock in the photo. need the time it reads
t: 8:46
